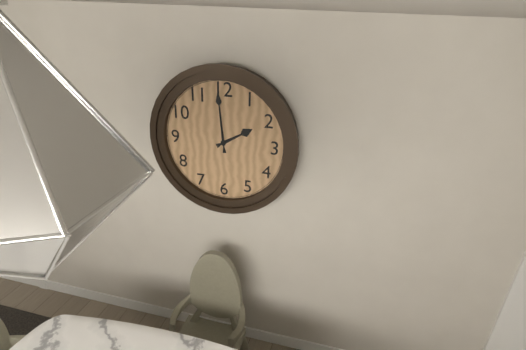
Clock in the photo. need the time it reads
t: 1:59
